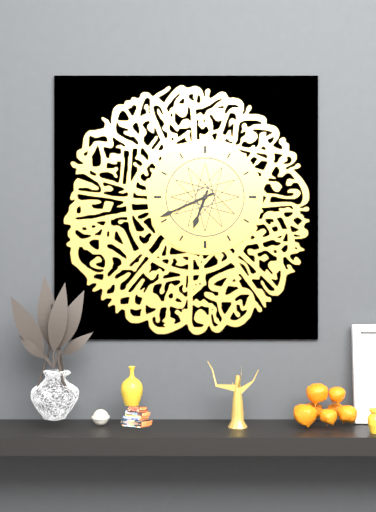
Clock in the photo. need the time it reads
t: 6:41
